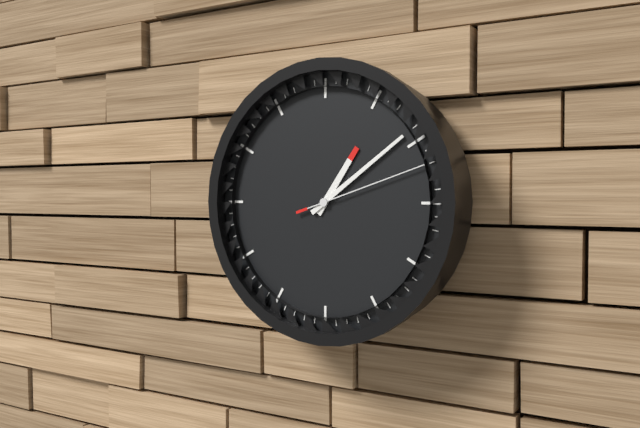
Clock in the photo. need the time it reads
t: 1:09:12
